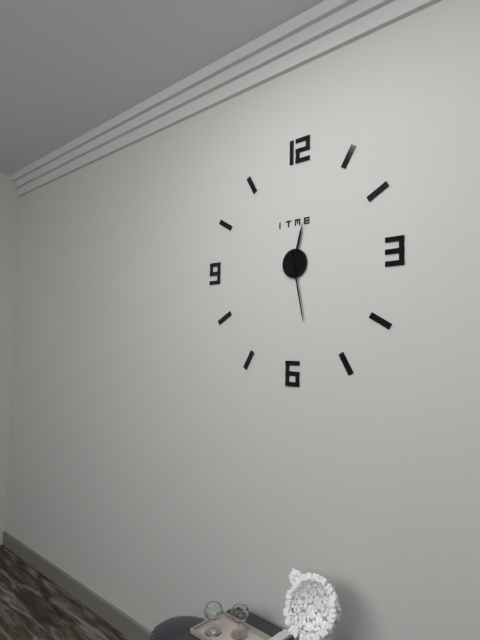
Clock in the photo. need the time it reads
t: 12:28
